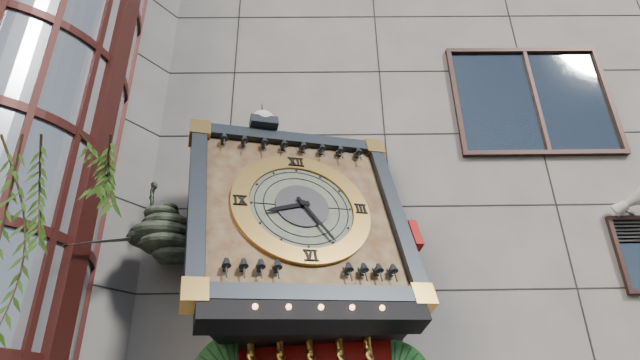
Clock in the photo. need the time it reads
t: 8:25
